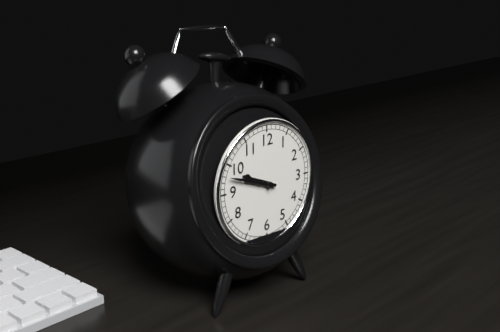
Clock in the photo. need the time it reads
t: 9:48
